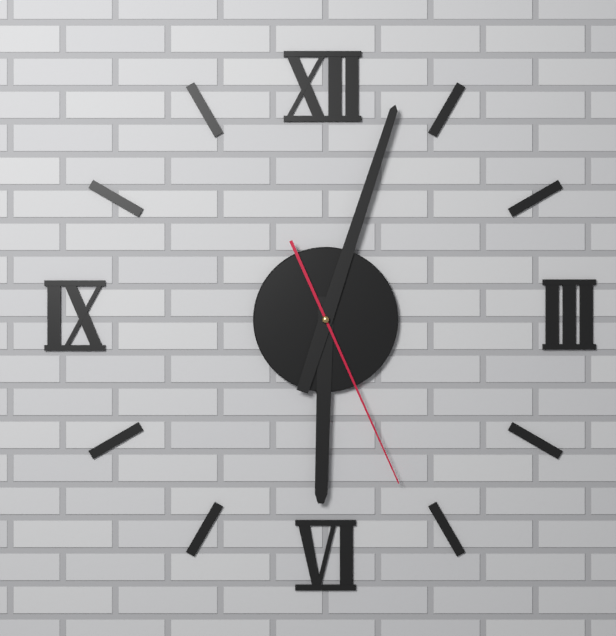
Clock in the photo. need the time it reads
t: 6:03:26
